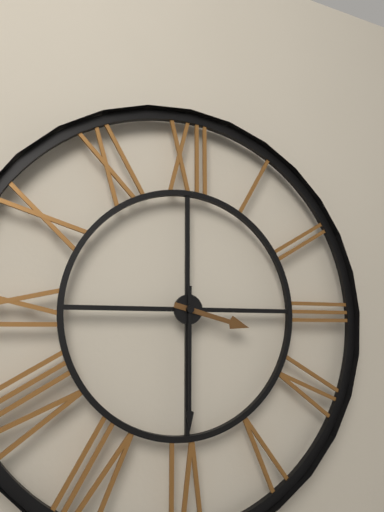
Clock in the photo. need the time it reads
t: 3:30
